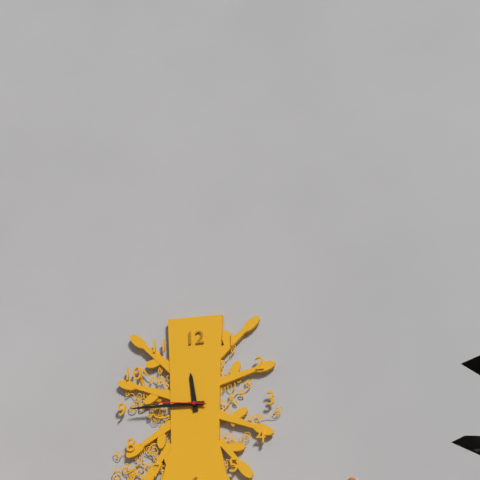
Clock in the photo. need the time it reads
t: 11:45:46
